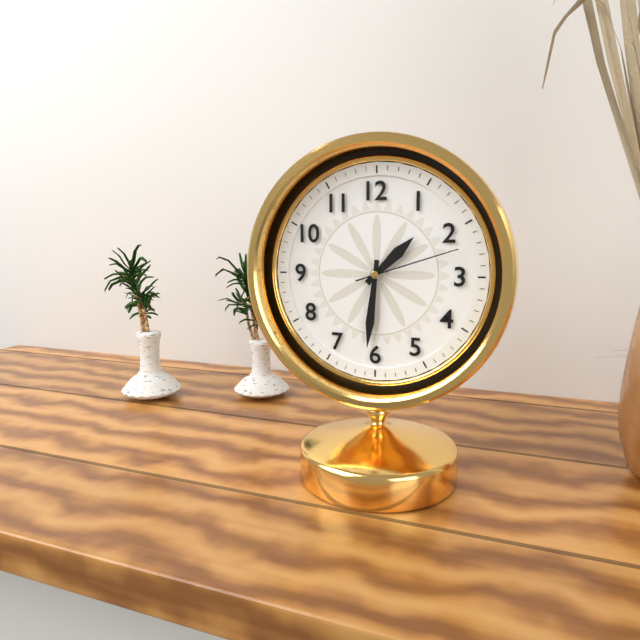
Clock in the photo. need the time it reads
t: 1:31:12
